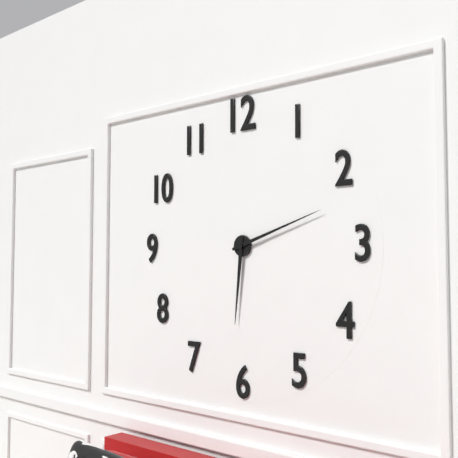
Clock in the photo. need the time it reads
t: 6:12
